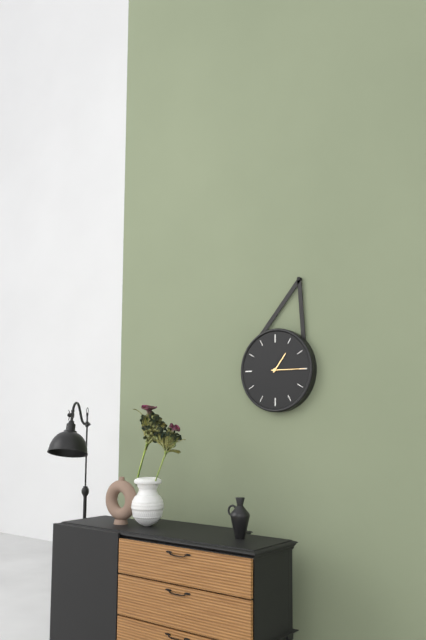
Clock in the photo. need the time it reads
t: 1:15
